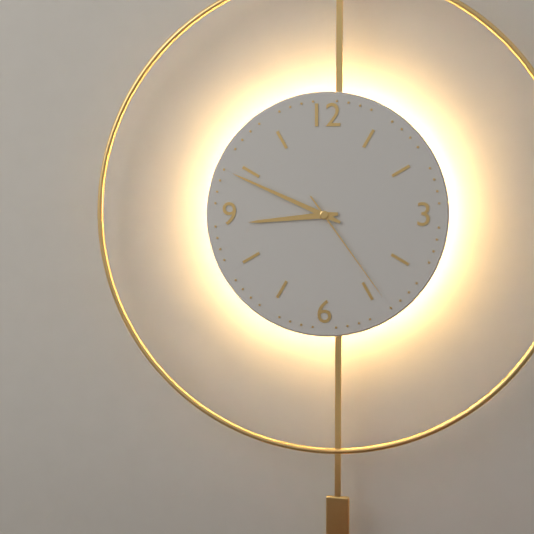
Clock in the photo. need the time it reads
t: 8:49:24
